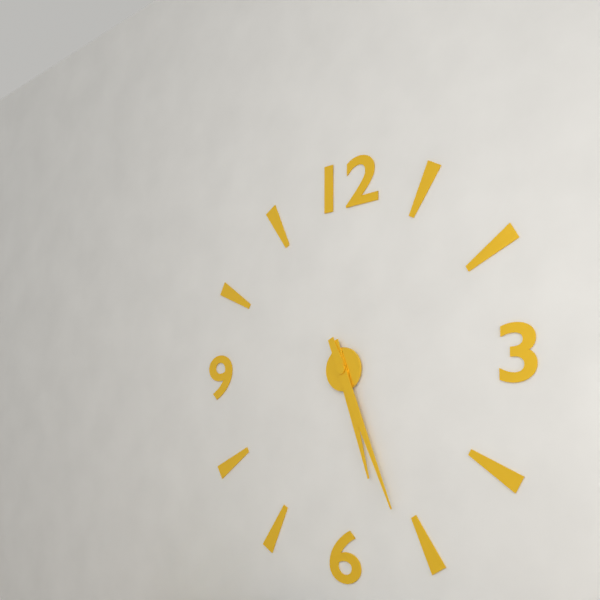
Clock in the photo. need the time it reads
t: 5:26
